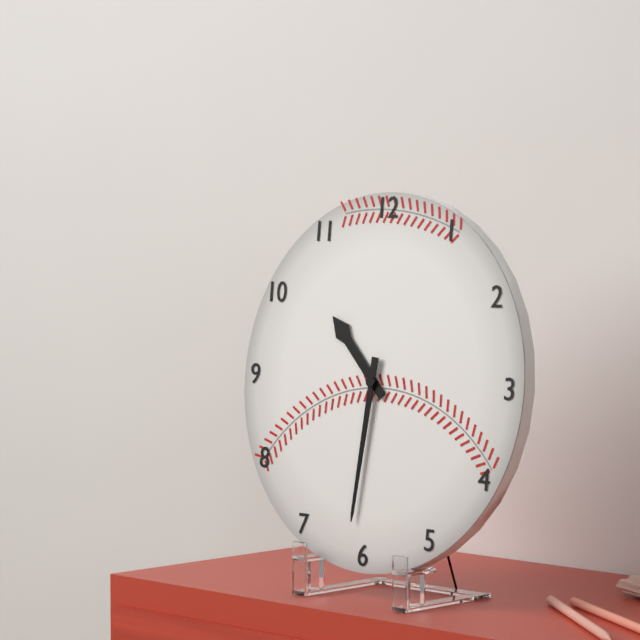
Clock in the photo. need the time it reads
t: 10:31
